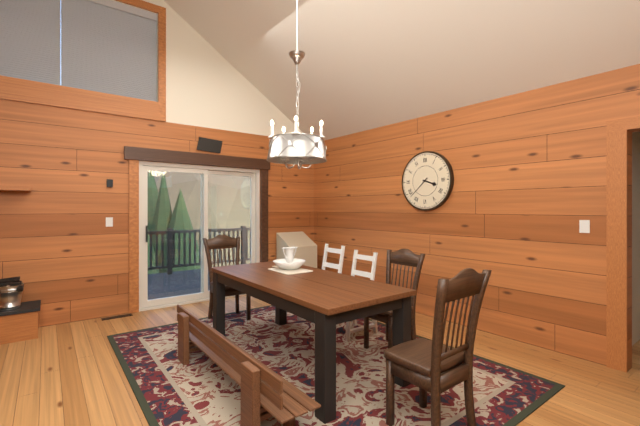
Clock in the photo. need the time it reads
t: 3:38
